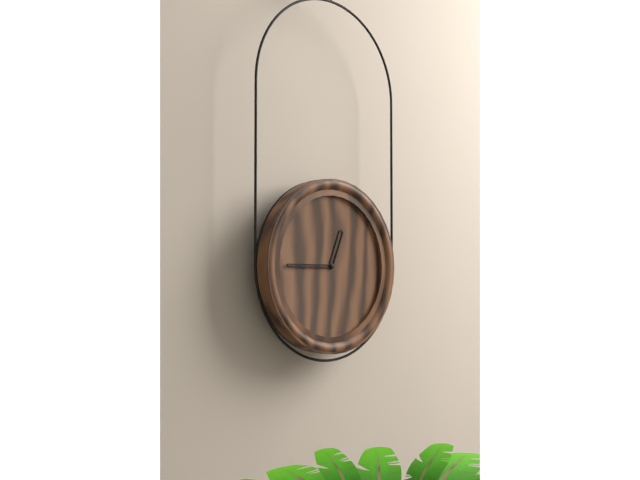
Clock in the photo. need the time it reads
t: 12:45
